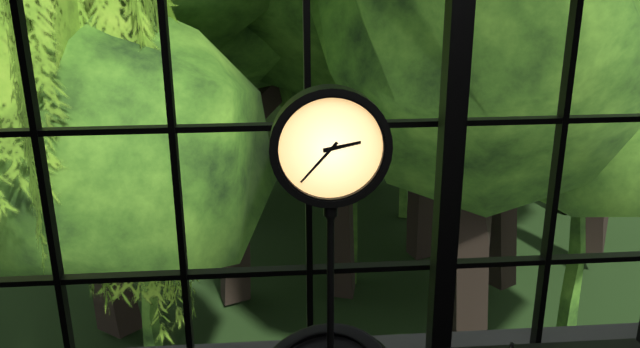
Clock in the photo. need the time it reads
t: 2:37
